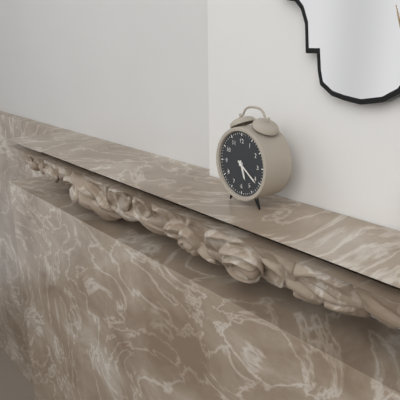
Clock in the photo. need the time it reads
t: 5:21
